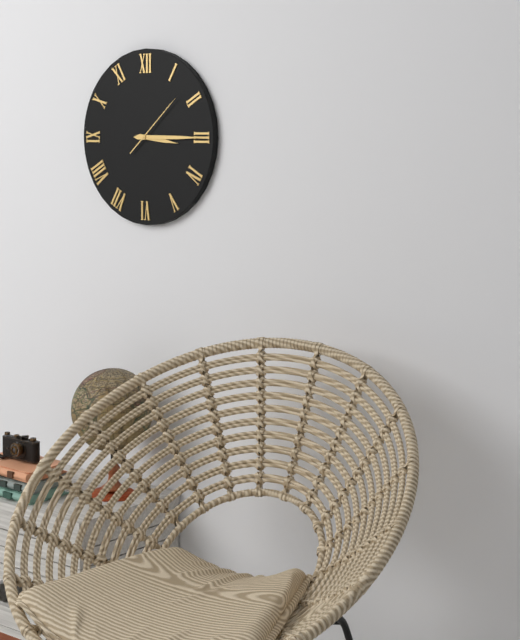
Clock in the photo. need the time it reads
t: 3:15:08
